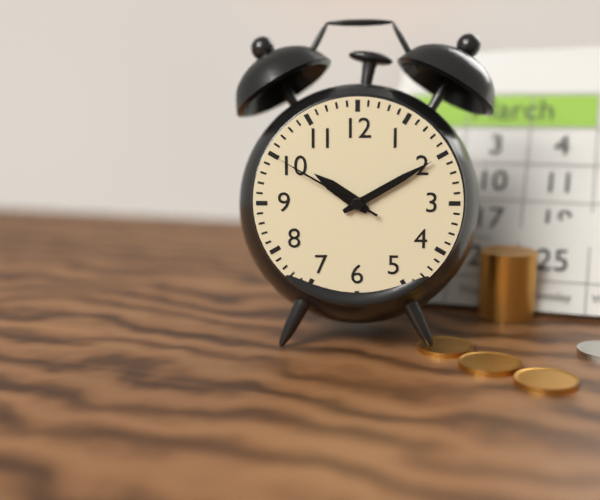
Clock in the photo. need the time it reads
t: 10:10:50
